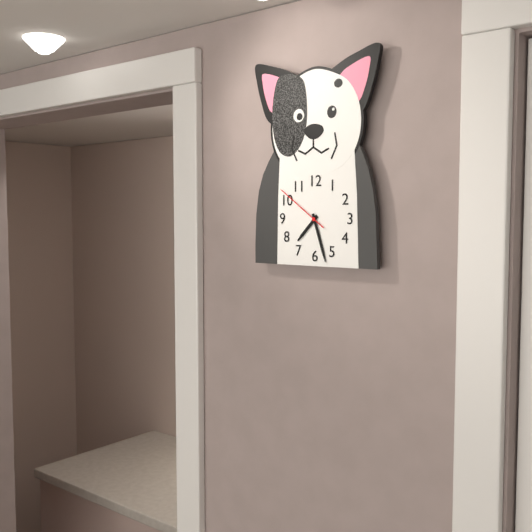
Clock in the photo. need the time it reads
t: 7:27:51
